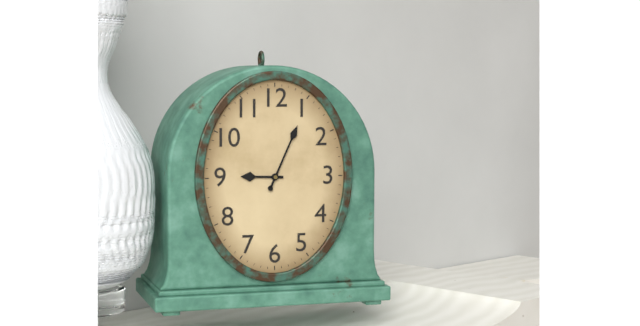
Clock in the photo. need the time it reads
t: 9:04
